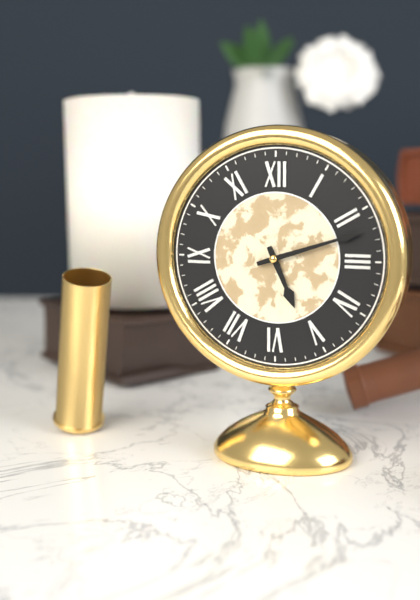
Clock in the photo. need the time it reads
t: 5:12
